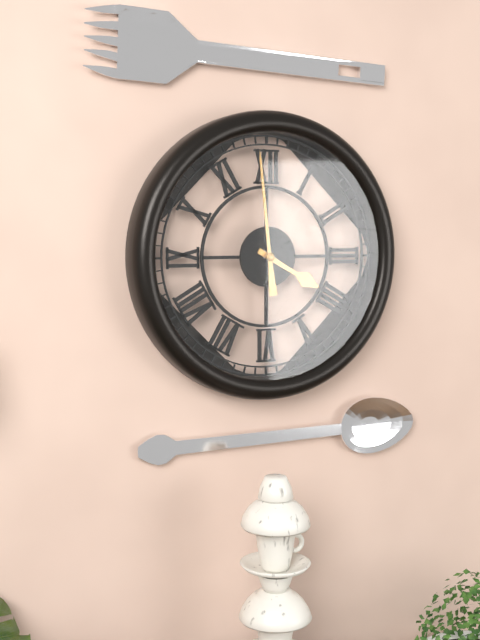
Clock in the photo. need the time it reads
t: 3:59
